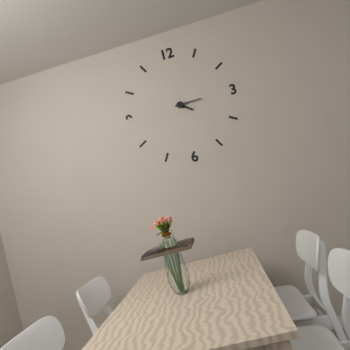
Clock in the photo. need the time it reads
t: 4:15
